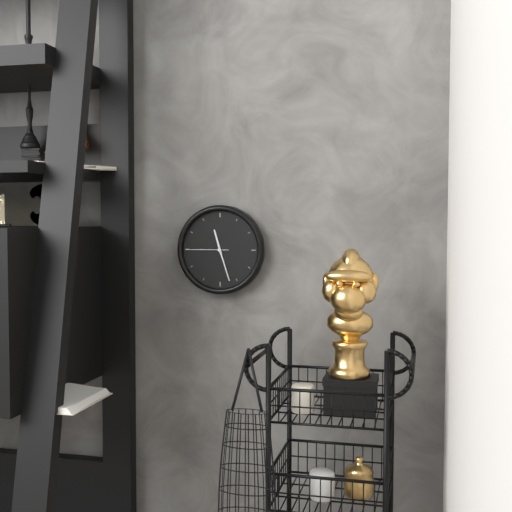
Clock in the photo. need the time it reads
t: 11:27
